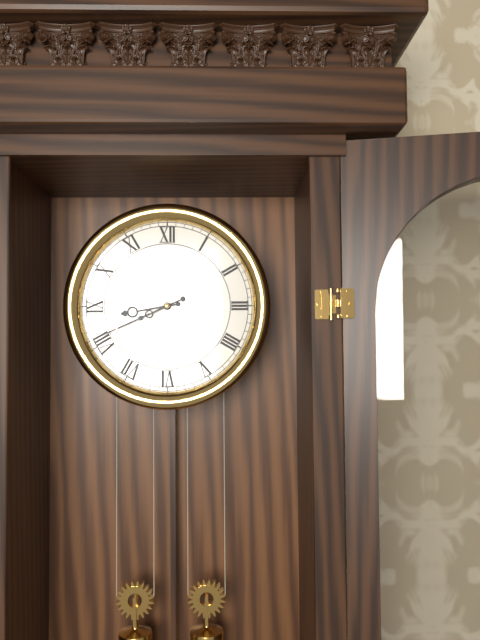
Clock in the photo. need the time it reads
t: 8:41
